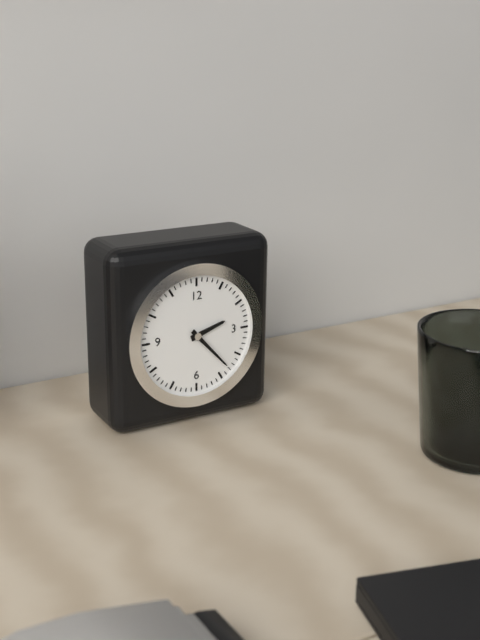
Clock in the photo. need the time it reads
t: 2:23
